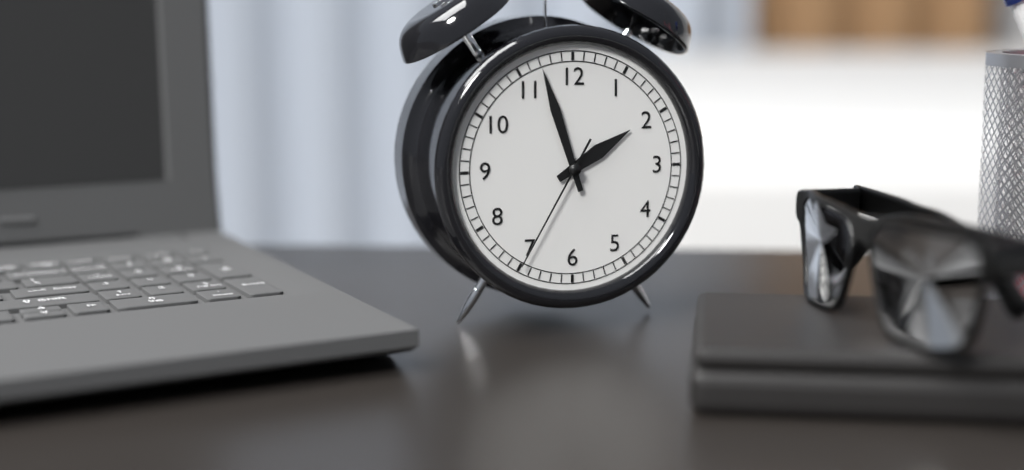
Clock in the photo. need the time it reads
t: 1:57:35
